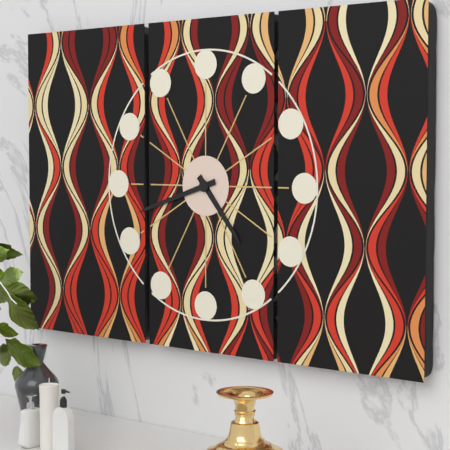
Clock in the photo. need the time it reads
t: 4:42
